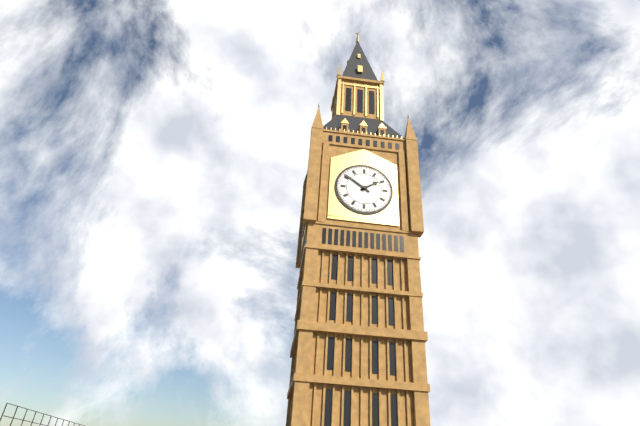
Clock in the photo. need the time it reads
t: 1:51
